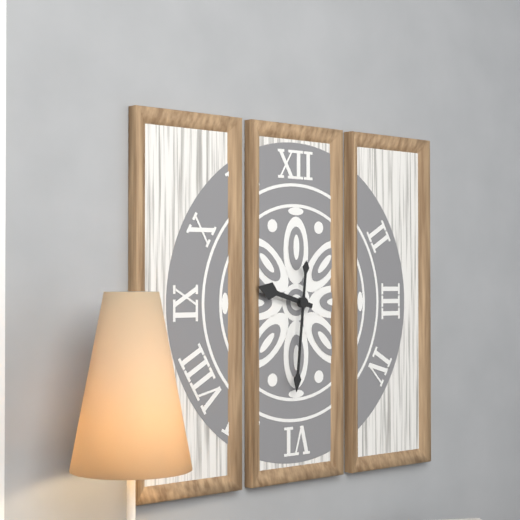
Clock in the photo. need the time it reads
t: 9:31
